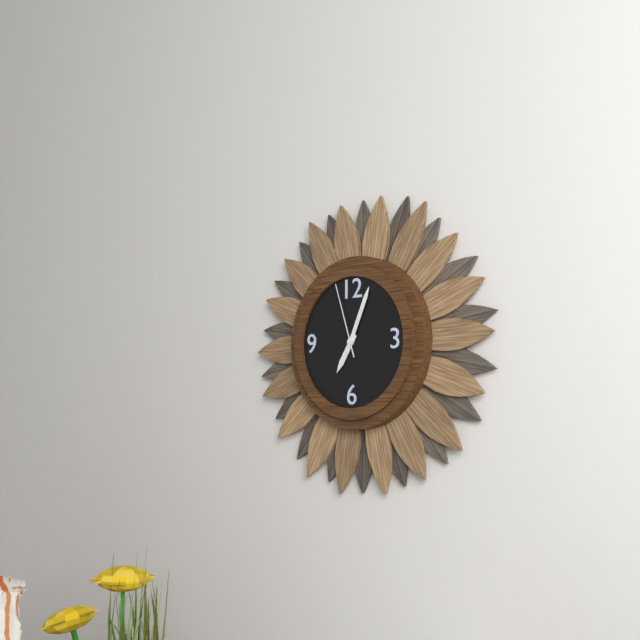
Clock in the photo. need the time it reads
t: 7:04:57
